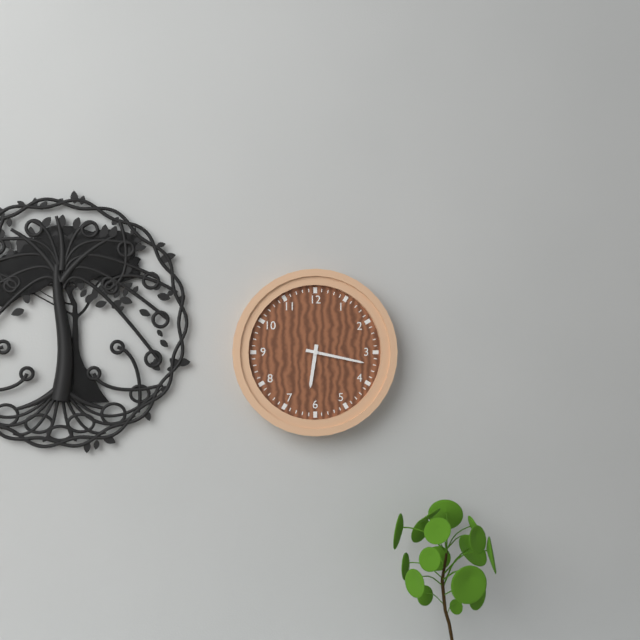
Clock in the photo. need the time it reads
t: 6:17
